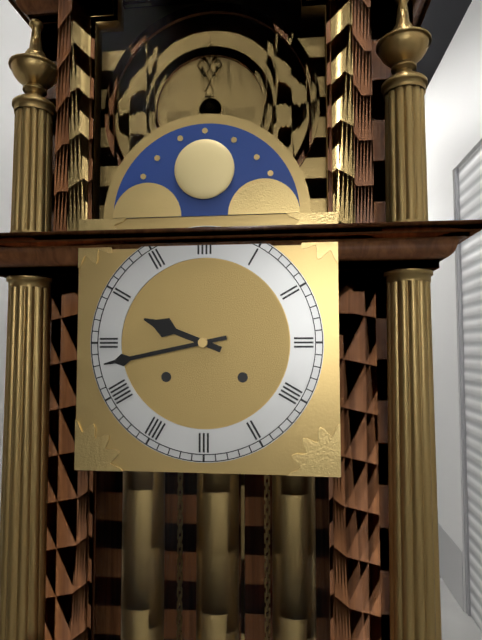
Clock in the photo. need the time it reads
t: 9:43
